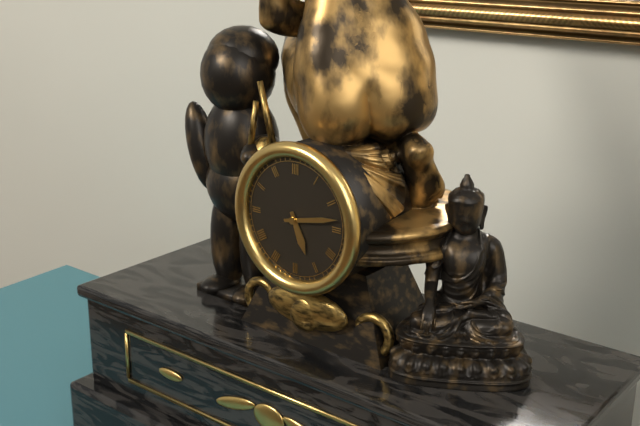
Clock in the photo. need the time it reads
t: 5:13
